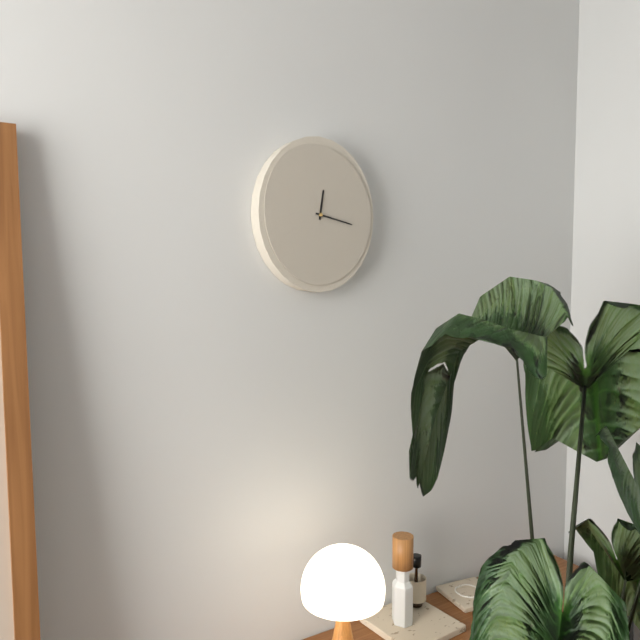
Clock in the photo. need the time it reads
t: 12:17
